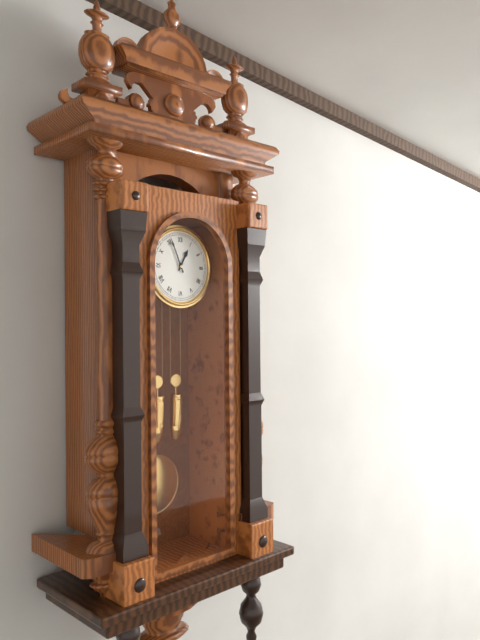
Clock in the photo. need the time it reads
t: 12:56
